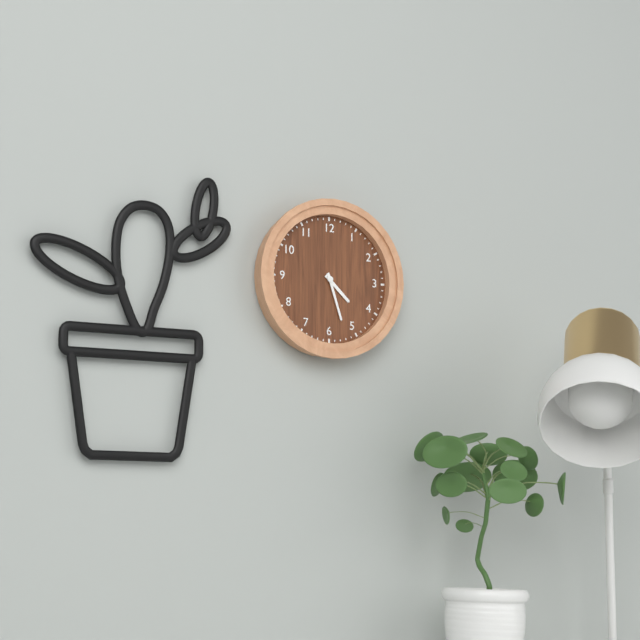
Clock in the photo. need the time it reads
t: 4:27
